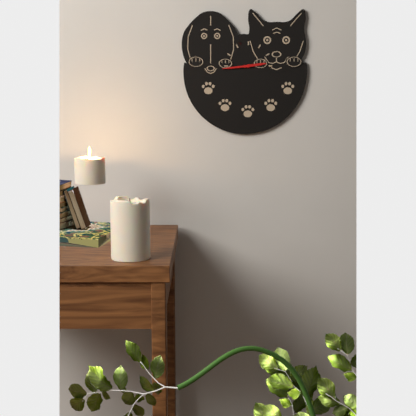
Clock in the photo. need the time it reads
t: 2:44
